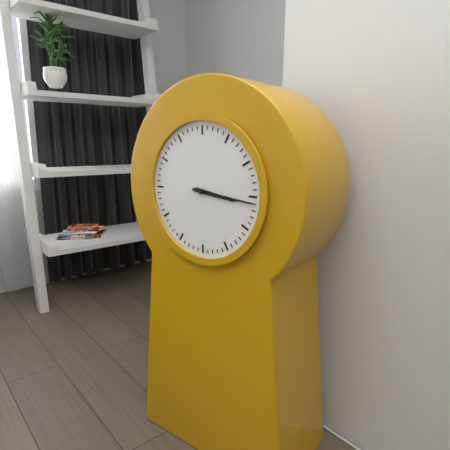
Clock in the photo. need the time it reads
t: 3:16
